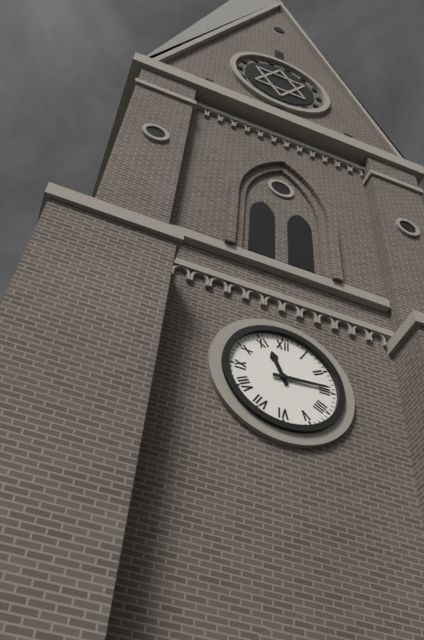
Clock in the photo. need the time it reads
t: 11:14
